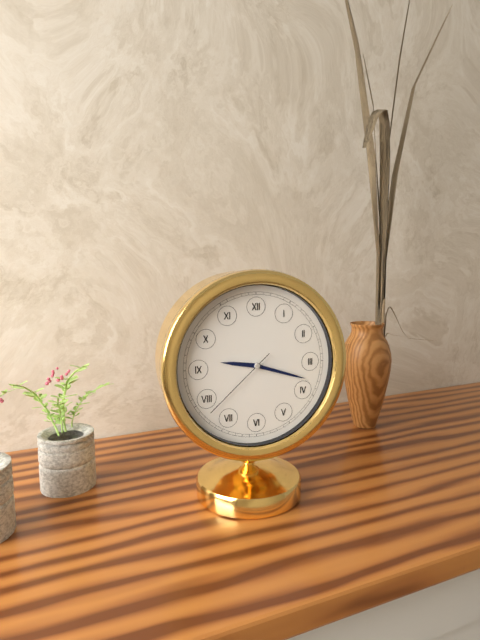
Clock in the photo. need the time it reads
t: 9:18:38
